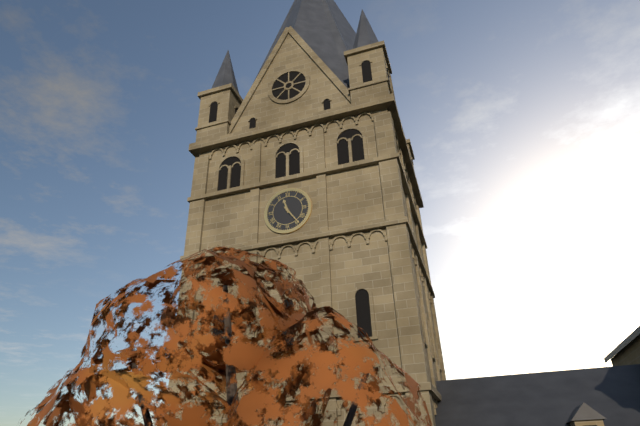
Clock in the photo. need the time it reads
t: 11:24
